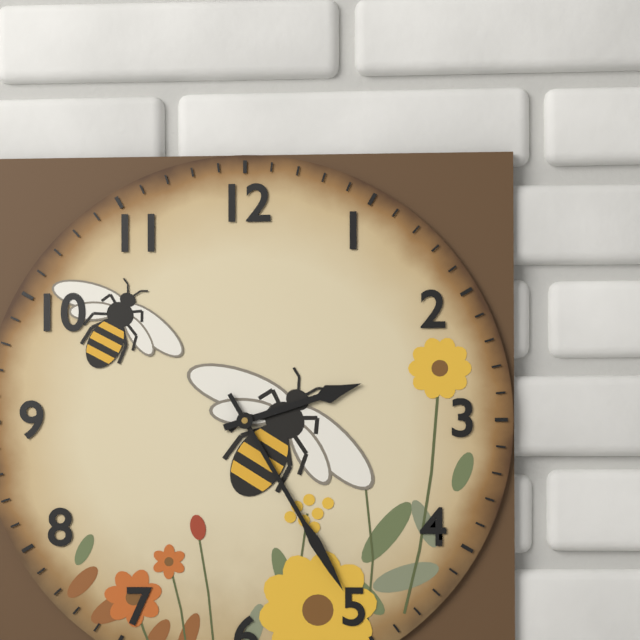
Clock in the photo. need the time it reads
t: 2:25
